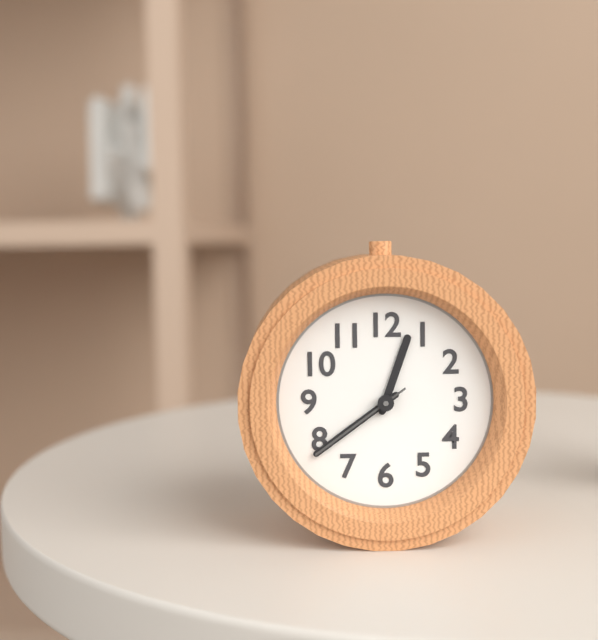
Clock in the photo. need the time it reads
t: 12:39:39
